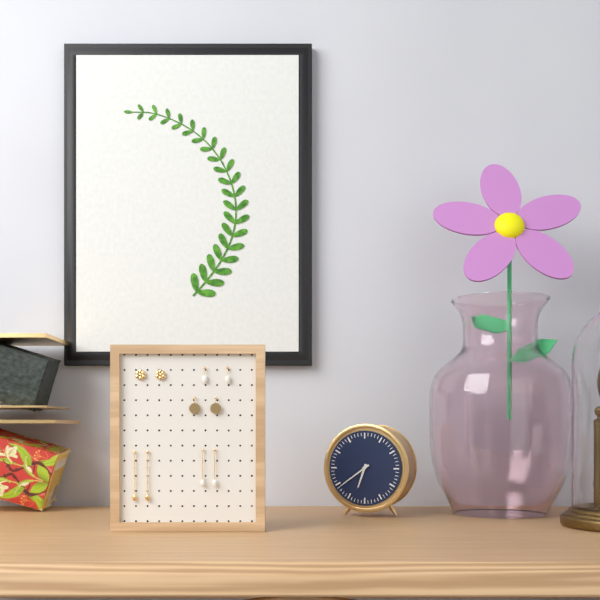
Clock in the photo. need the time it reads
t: 6:39
